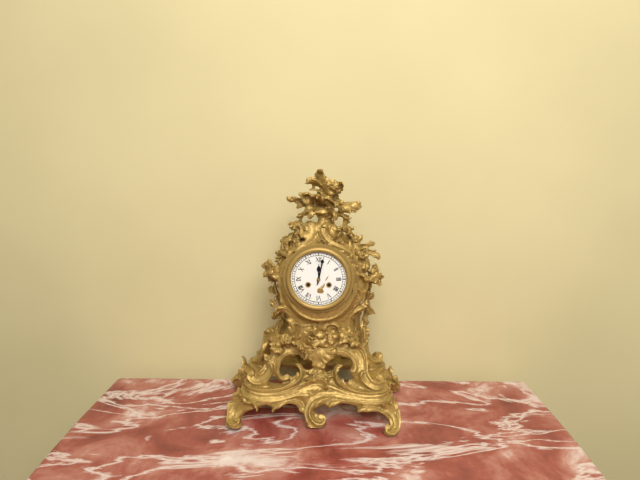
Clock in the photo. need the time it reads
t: 12:02
